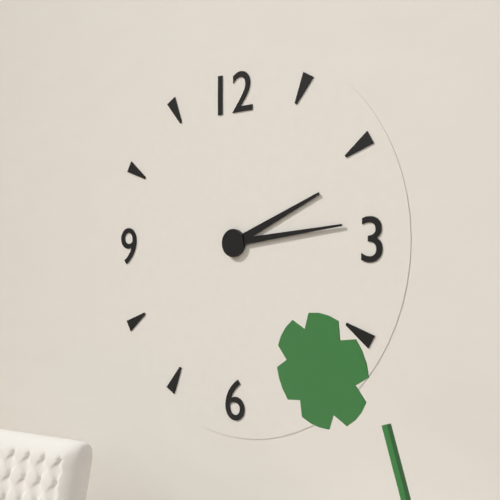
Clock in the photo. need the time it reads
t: 2:14
